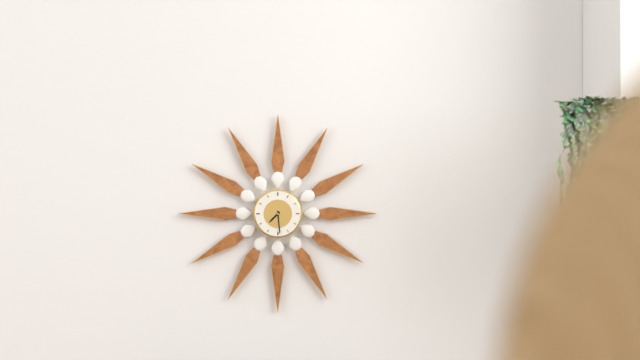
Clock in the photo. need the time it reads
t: 7:29
